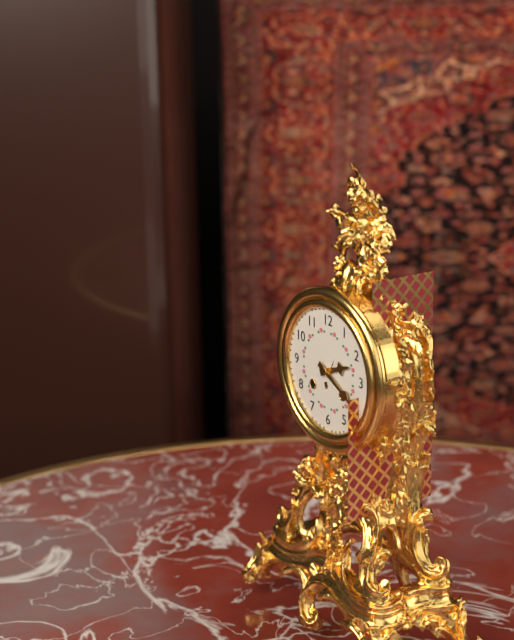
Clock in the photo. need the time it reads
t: 2:20
